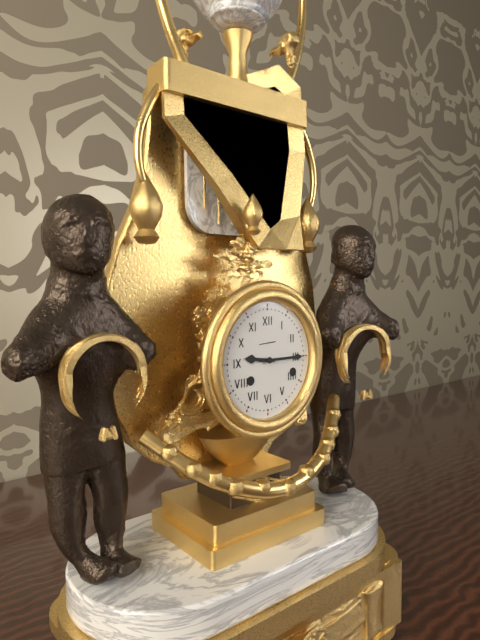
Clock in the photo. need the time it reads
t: 9:15
